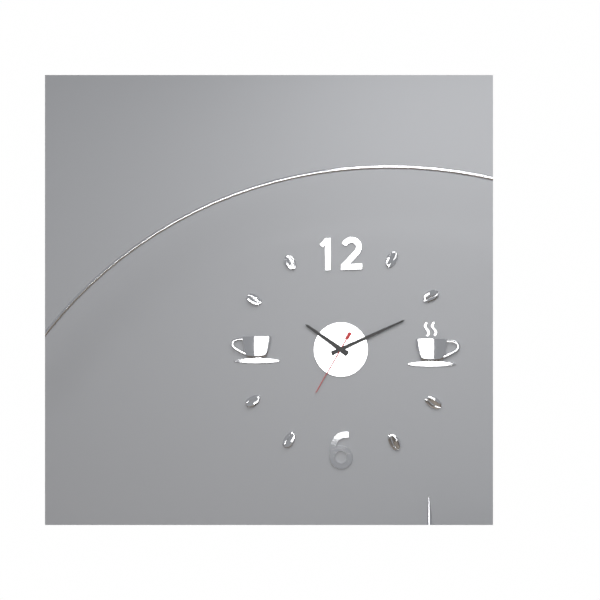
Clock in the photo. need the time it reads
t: 10:11:35
